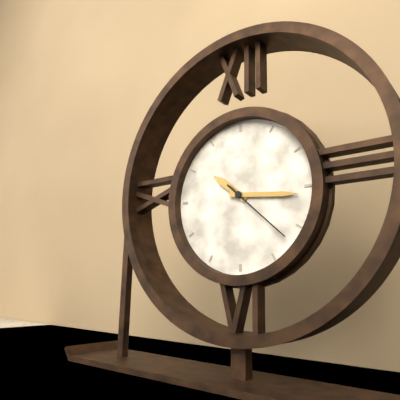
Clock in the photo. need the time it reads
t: 10:16:22
